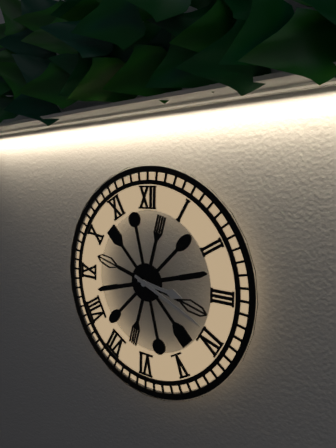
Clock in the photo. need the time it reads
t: 3:19
